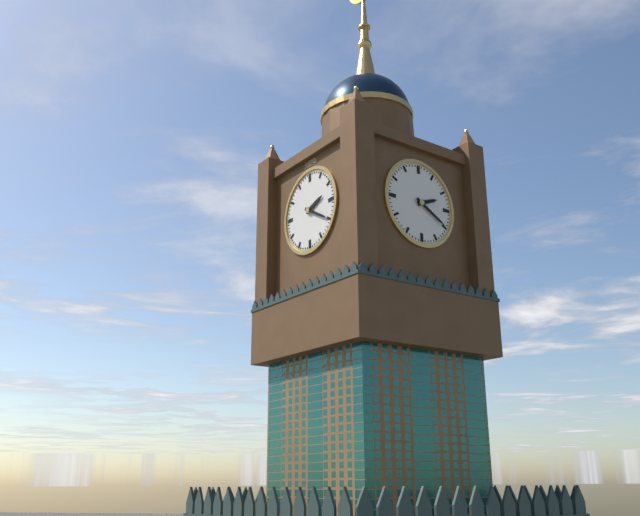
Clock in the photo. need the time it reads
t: 2:20
